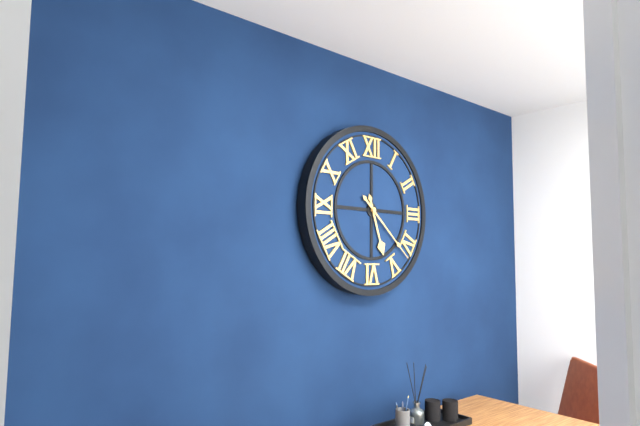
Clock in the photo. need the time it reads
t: 5:22
